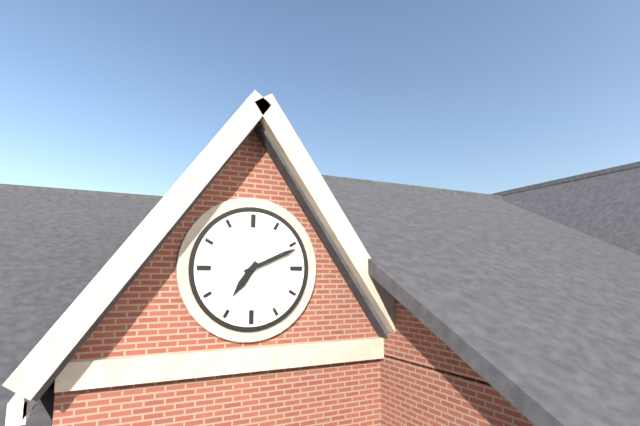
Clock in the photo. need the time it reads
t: 7:11
